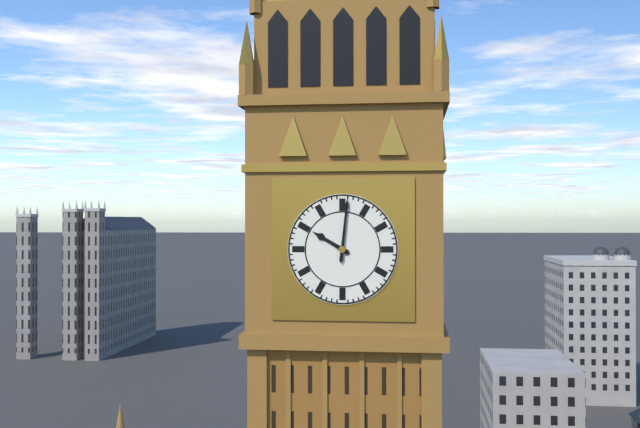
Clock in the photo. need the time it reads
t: 10:01
